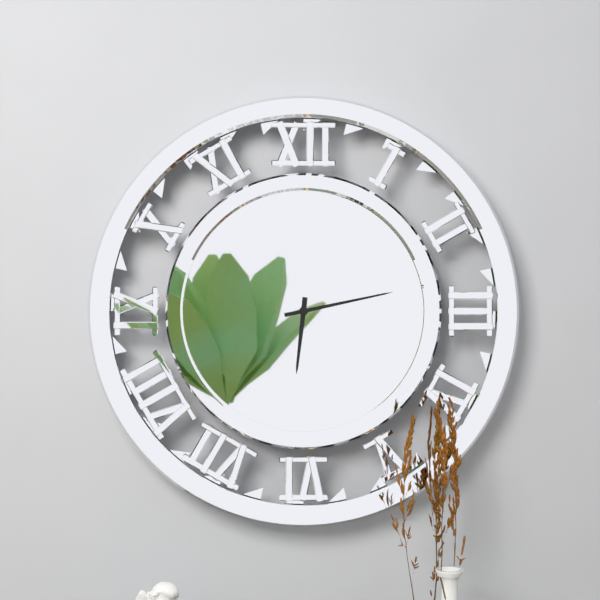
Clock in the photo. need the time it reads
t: 6:13
